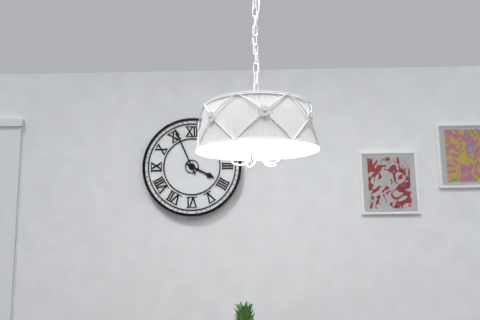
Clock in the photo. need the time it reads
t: 3:56
